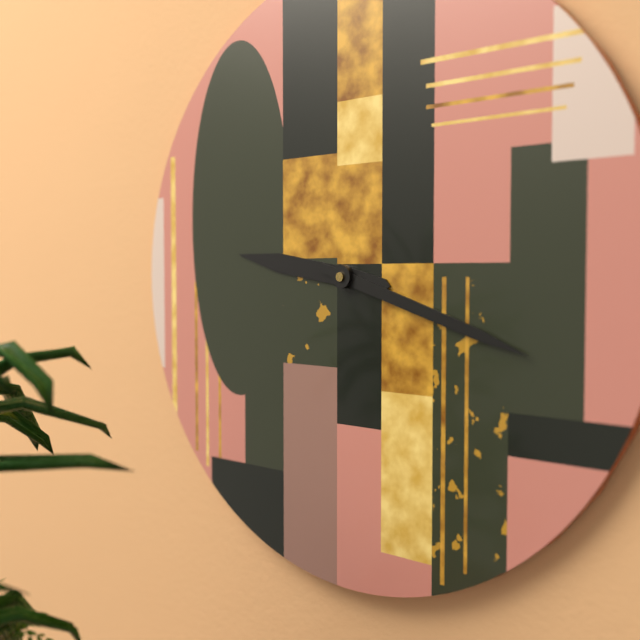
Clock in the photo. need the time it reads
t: 9:18
